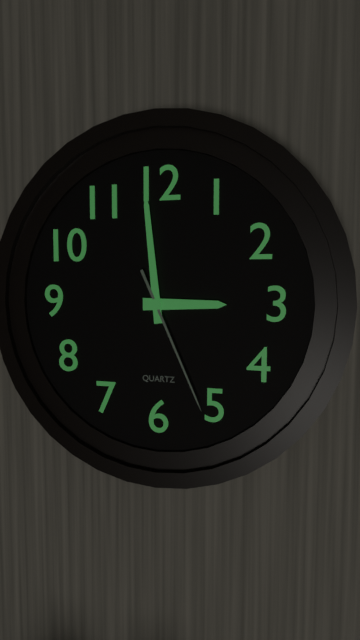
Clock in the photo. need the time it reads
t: 2:59:26
